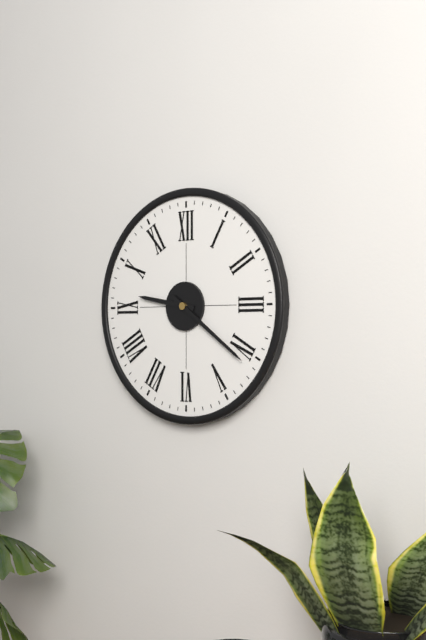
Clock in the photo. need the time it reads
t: 9:21
